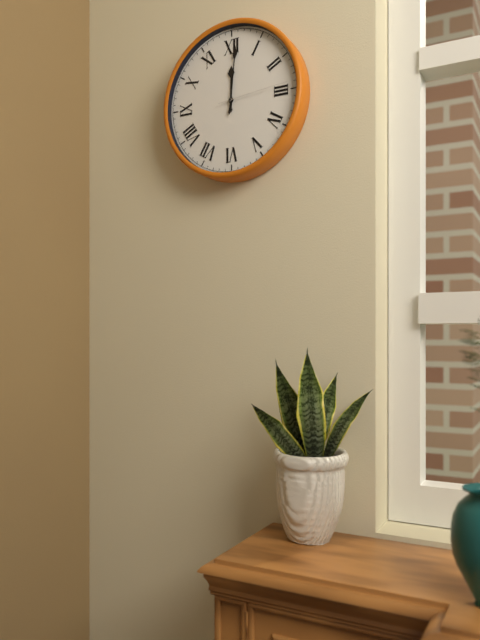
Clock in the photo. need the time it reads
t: 12:01:14
